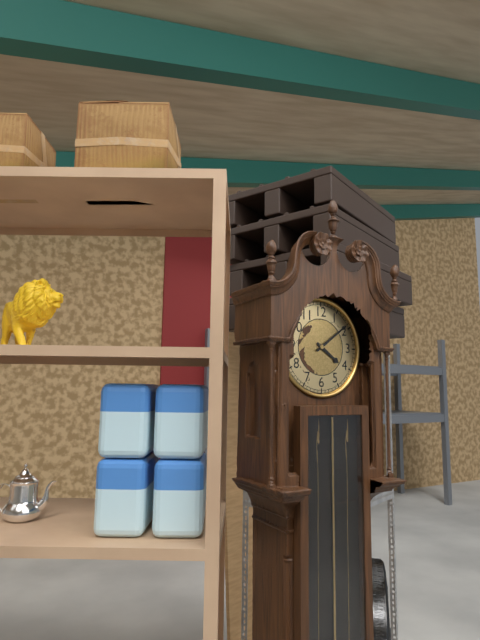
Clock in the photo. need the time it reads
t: 4:09
